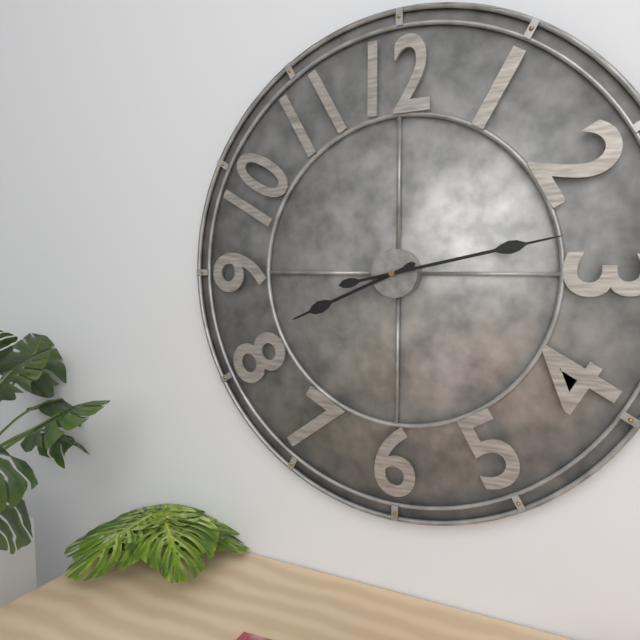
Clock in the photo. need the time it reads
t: 8:13
